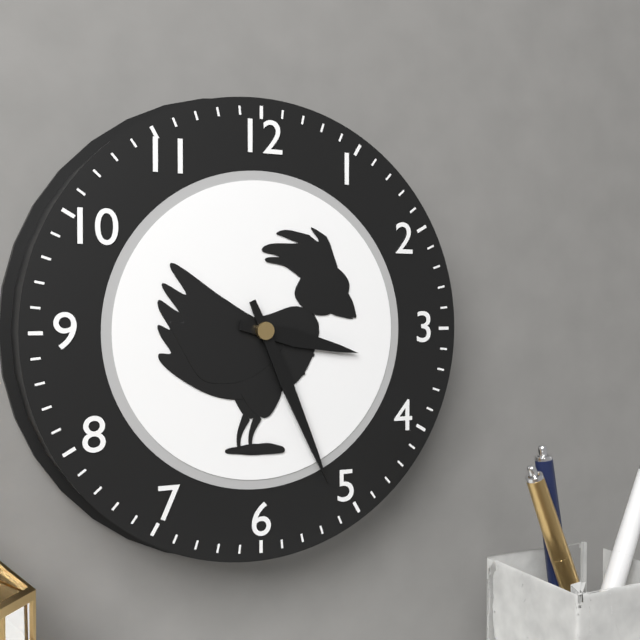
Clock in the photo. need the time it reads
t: 3:26
